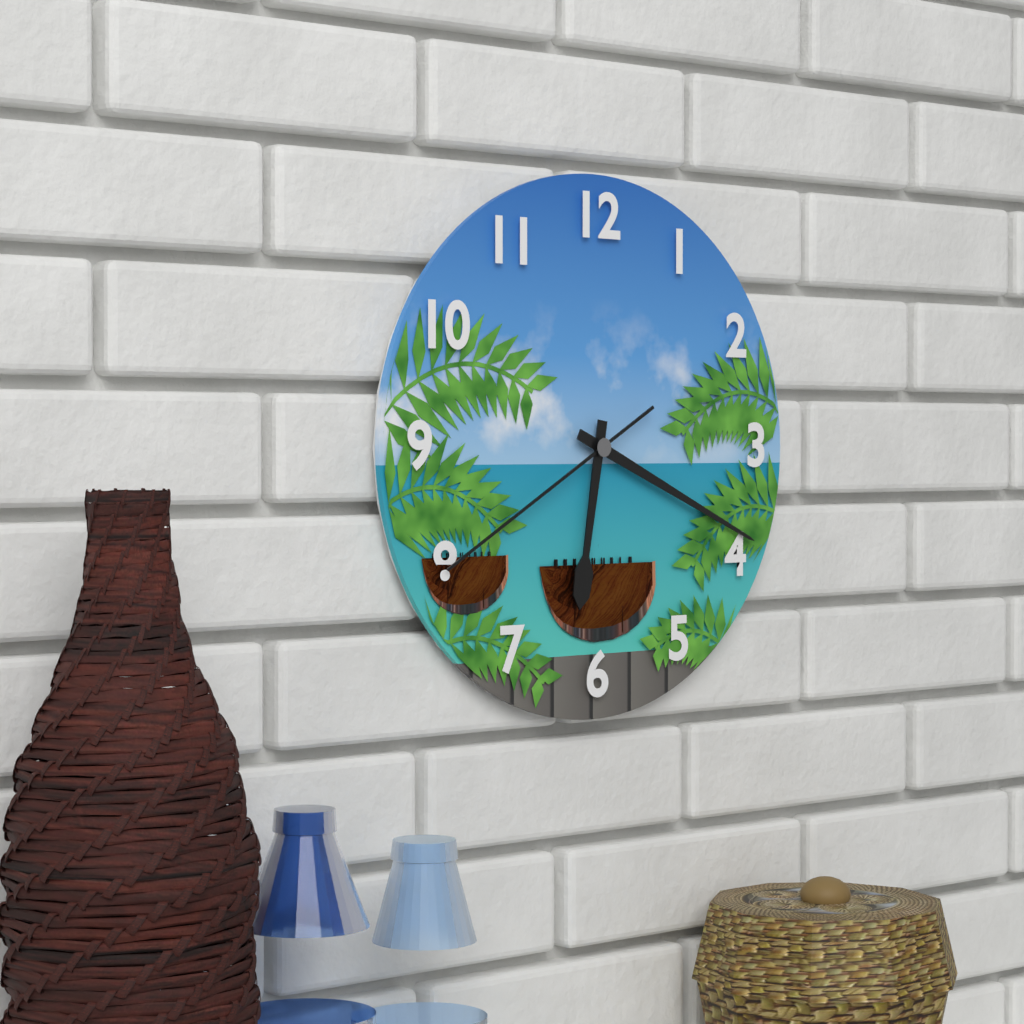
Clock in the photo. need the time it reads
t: 6:19:40
